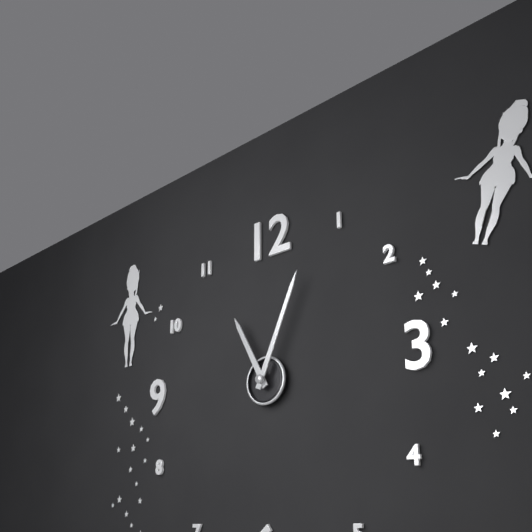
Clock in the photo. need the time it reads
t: 11:04
